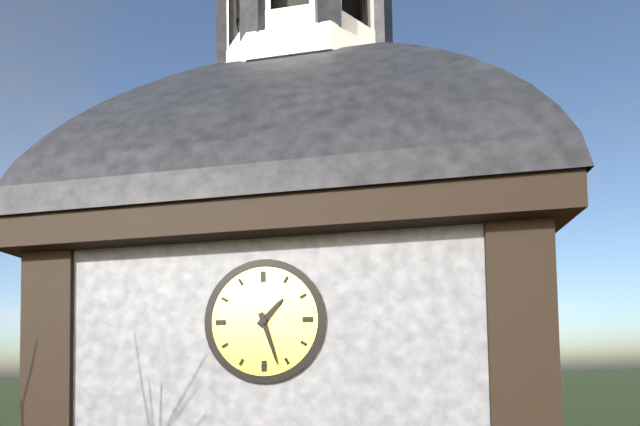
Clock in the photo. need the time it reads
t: 1:27
